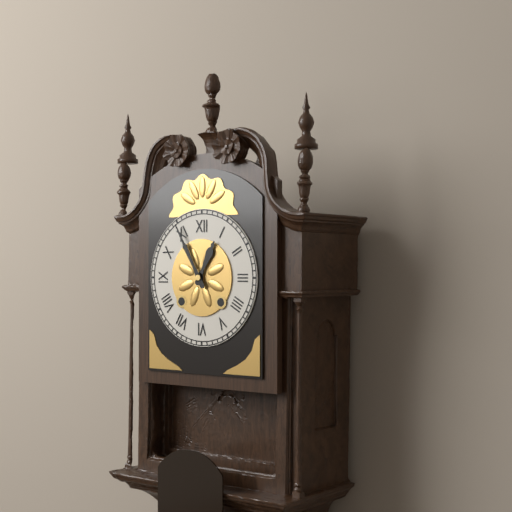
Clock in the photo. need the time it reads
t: 12:55
